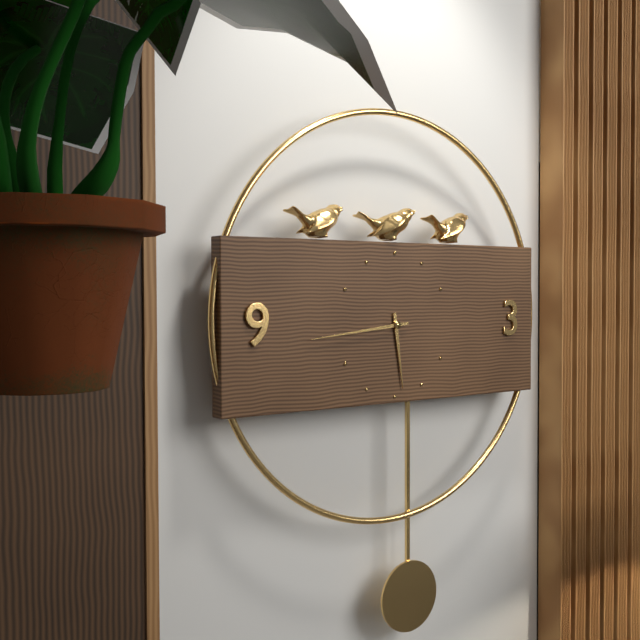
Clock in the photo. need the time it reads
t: 5:44
